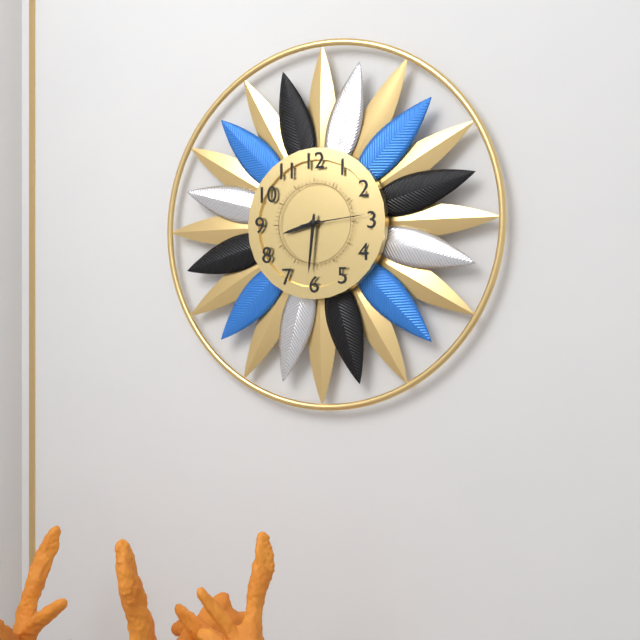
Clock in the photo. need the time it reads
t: 8:31
